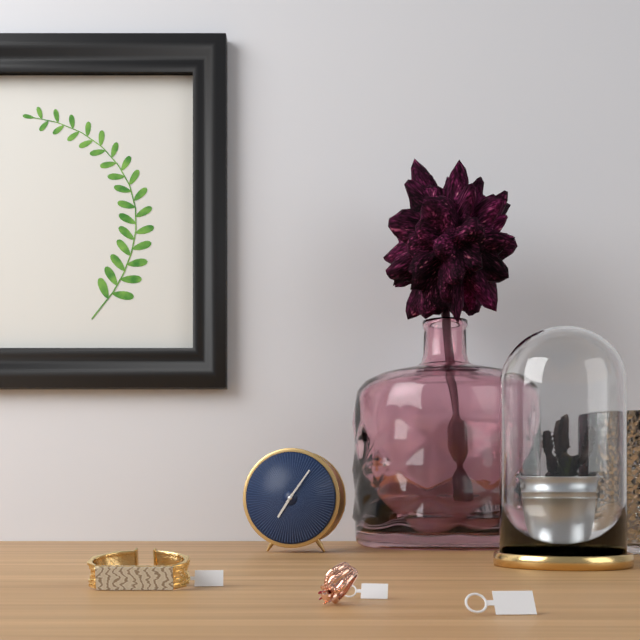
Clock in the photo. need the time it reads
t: 7:06
